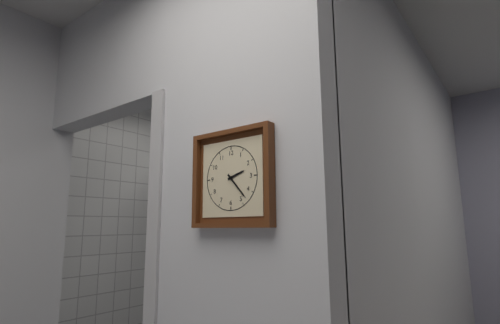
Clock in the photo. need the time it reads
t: 2:23
